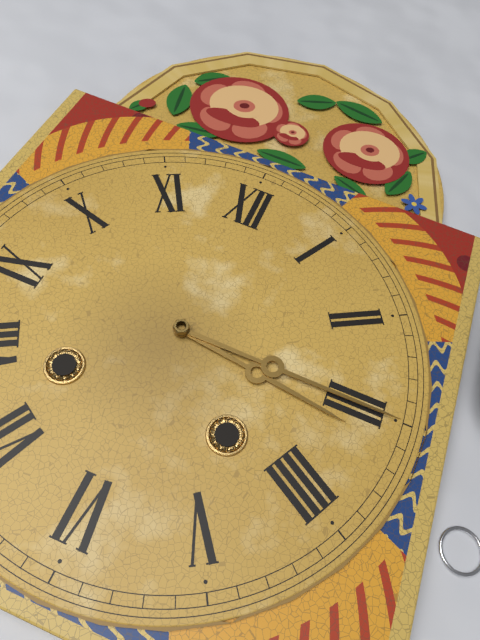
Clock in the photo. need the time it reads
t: 3:15
